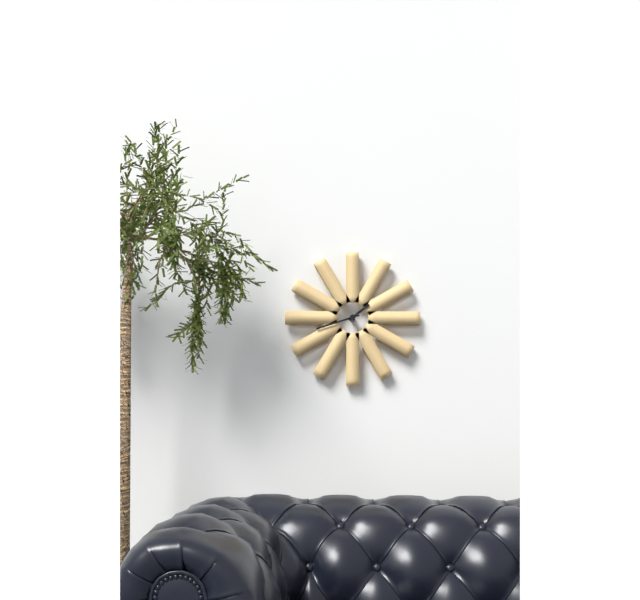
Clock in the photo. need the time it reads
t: 1:42
